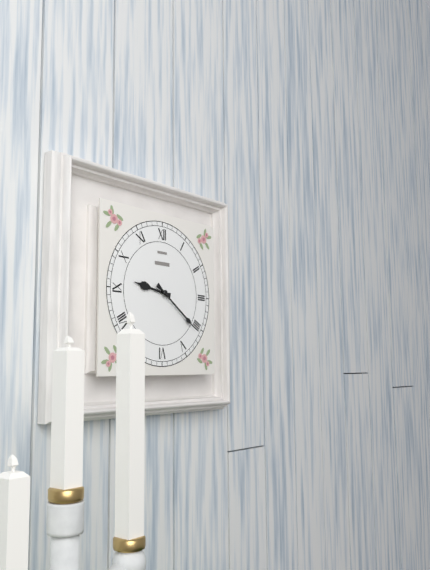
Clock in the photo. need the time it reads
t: 9:21
